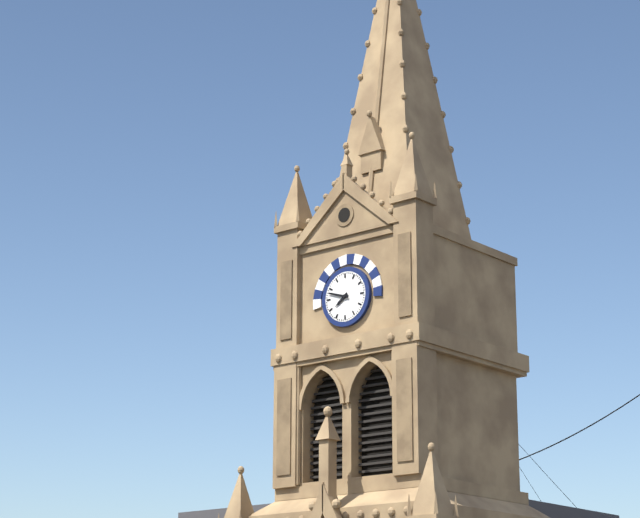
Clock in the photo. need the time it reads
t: 7:48
